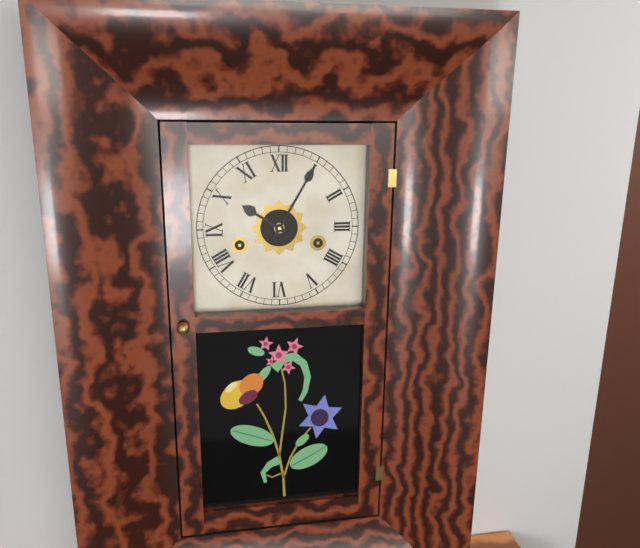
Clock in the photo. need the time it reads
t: 10:05
